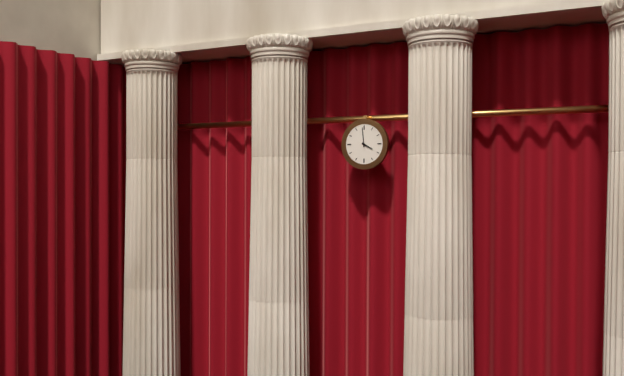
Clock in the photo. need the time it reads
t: 3:59
